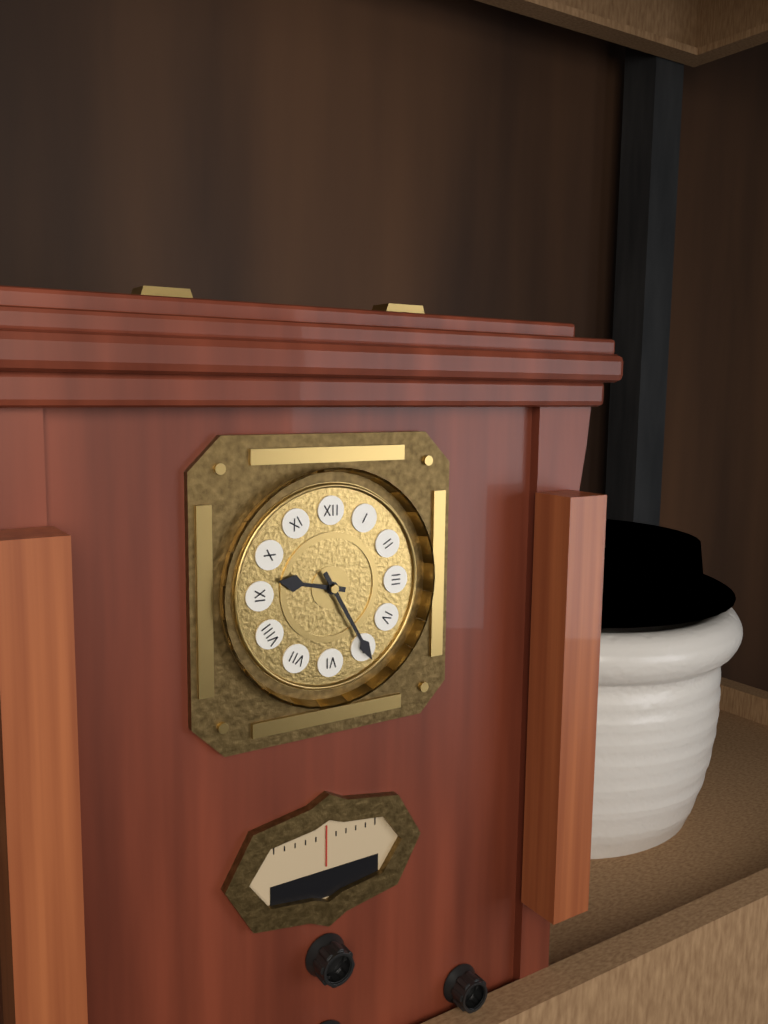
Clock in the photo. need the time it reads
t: 9:25
